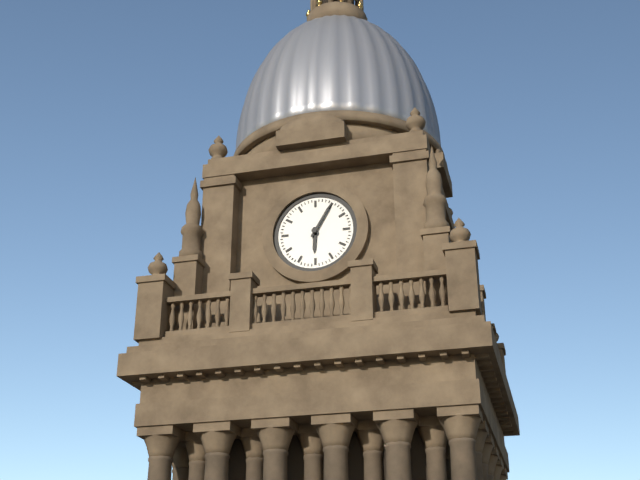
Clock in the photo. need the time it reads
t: 6:05
